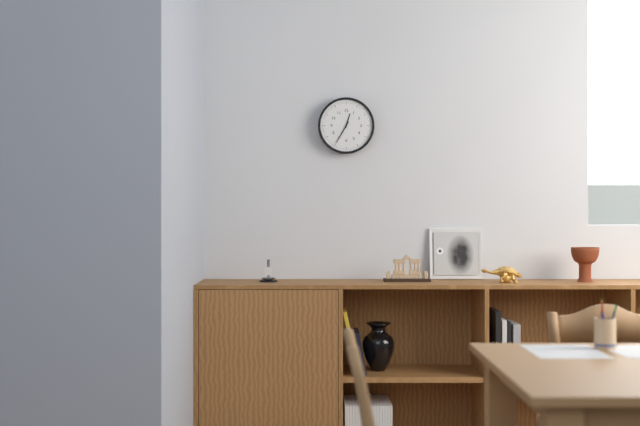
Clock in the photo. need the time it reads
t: 12:35
